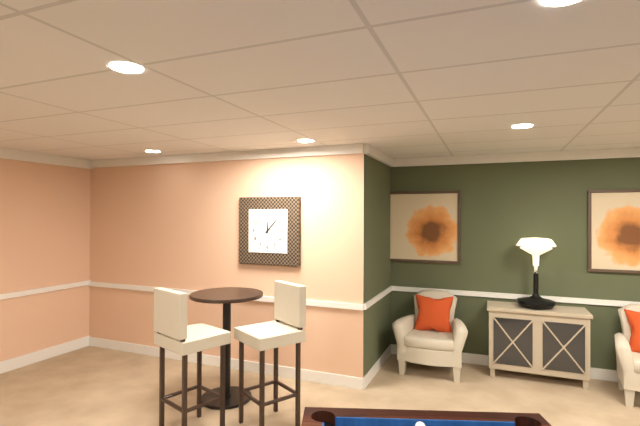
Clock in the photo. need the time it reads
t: 12:07
